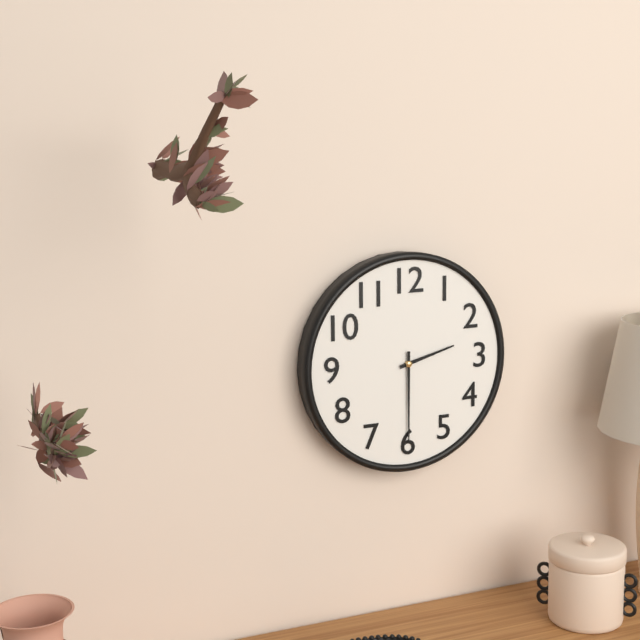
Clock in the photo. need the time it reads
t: 2:30
